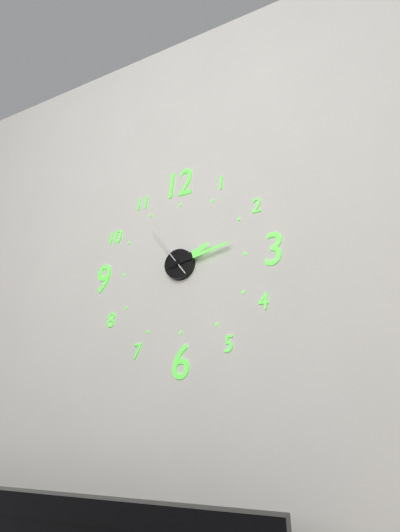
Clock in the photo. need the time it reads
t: 2:13:54
